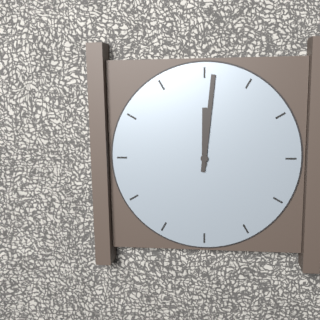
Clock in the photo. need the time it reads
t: 12:01
